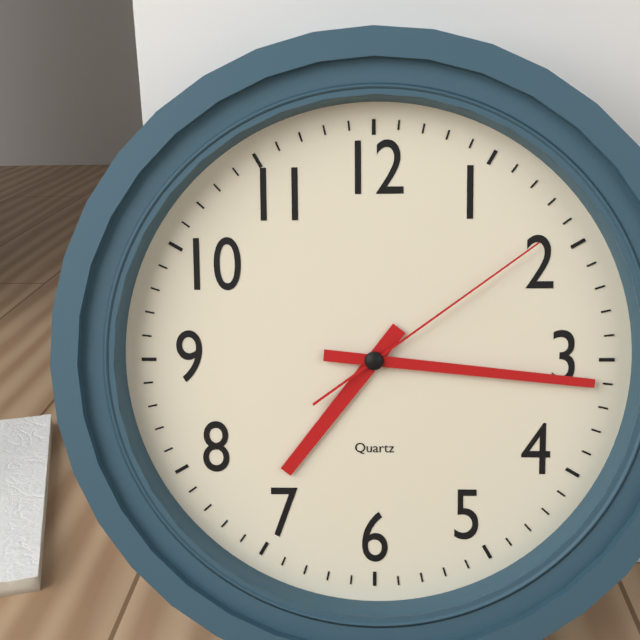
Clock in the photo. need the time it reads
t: 7:16:09
